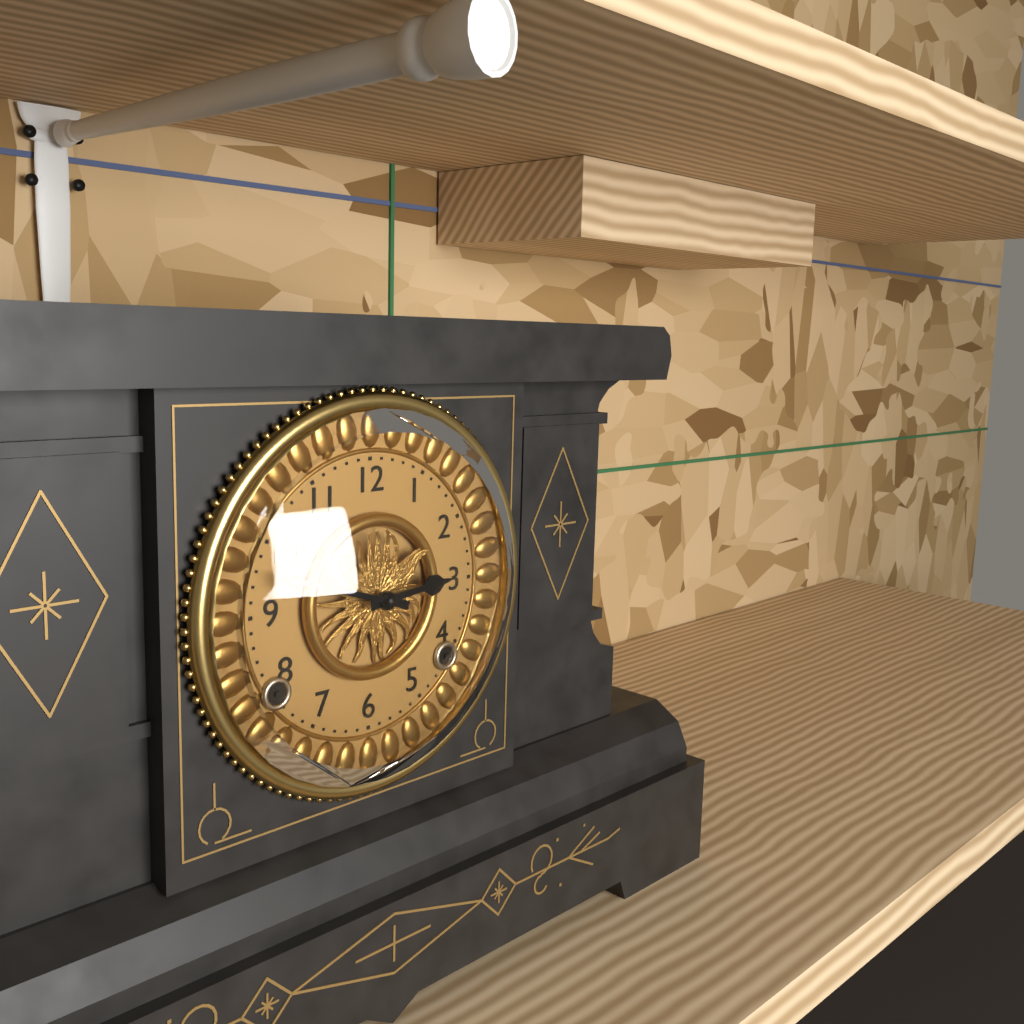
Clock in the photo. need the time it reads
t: 2:48
